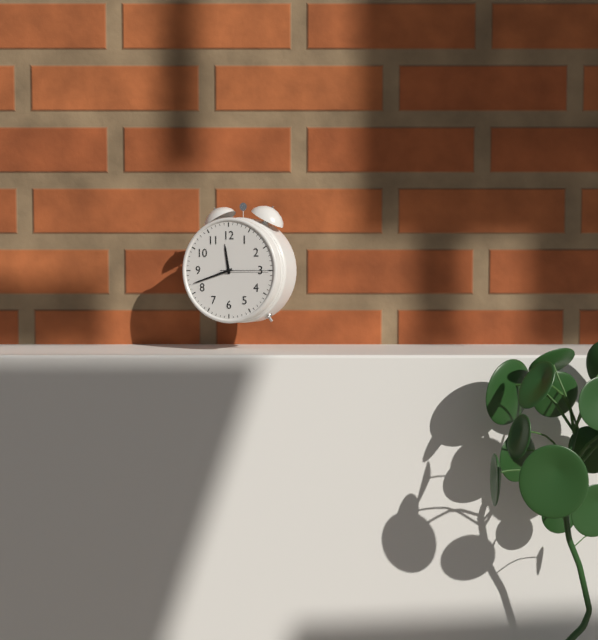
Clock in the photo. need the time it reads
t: 11:42:15
